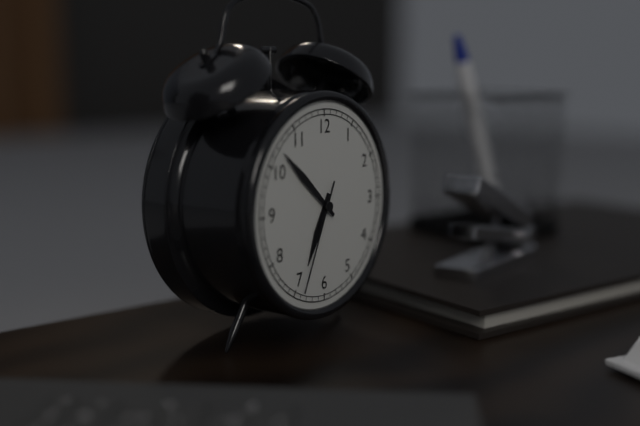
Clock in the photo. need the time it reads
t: 6:52:34
